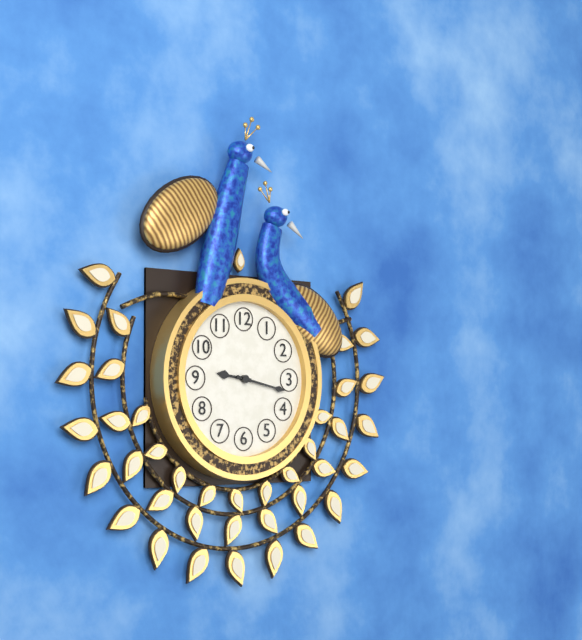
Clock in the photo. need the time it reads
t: 9:17
